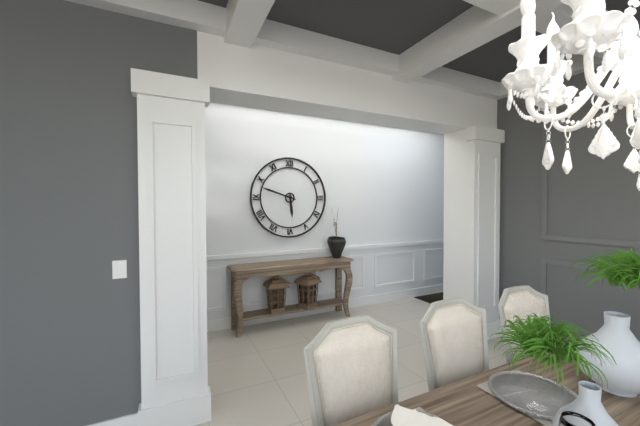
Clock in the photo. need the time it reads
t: 5:48
